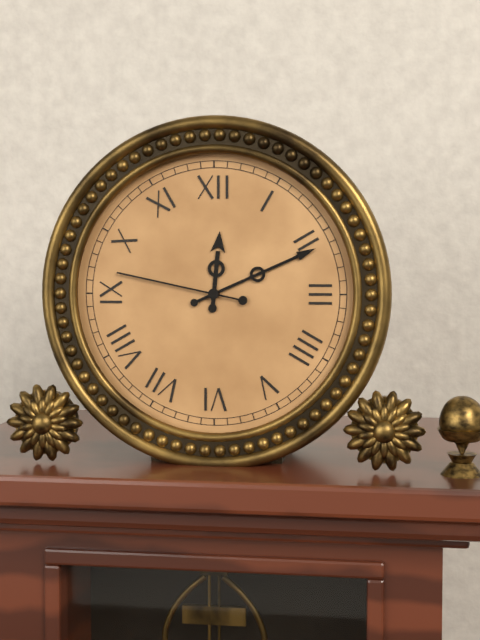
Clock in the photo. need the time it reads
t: 12:11:47
